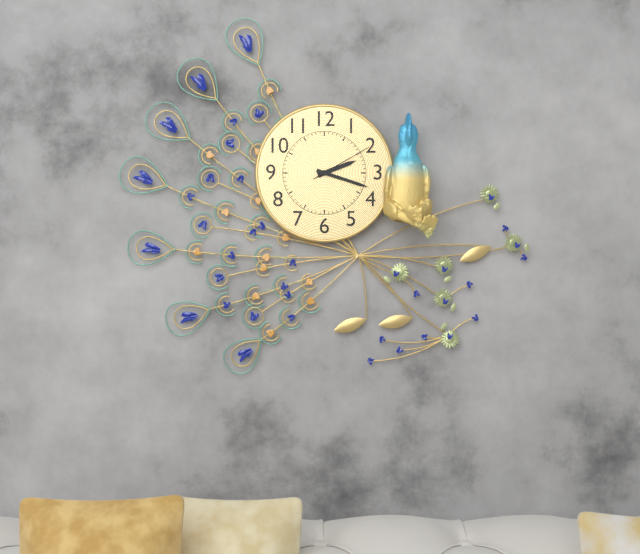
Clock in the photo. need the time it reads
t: 2:18:10
